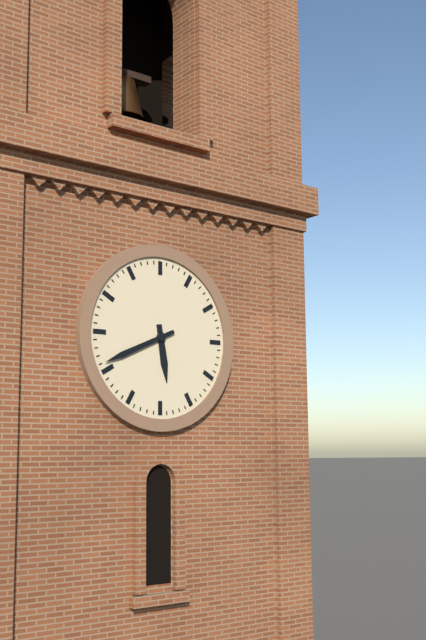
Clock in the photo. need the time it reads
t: 5:41
